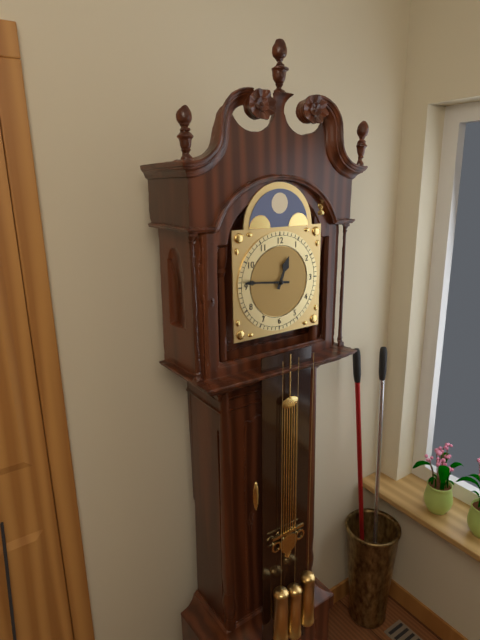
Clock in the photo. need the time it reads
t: 12:46
